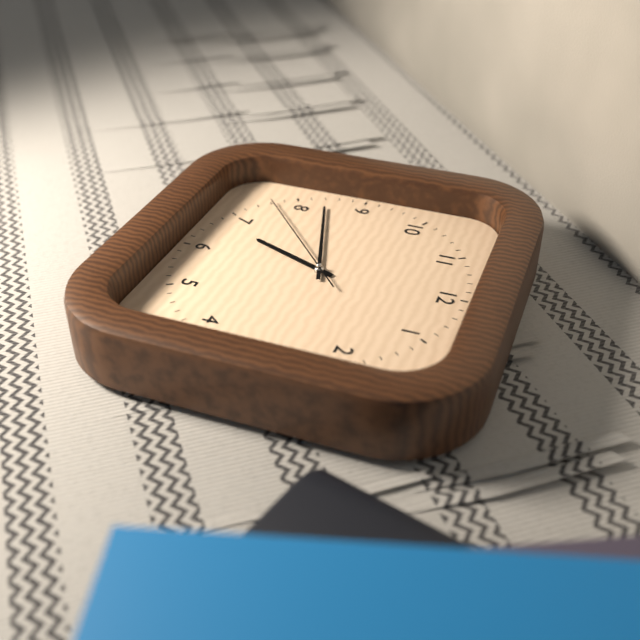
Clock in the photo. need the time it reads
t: 6:42:38
